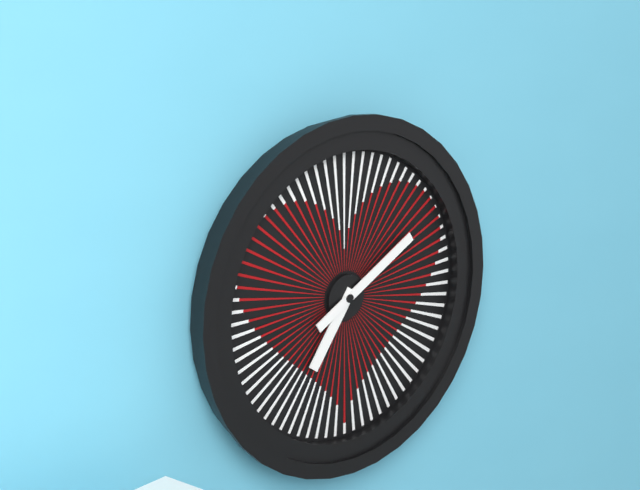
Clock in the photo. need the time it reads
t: 7:10
